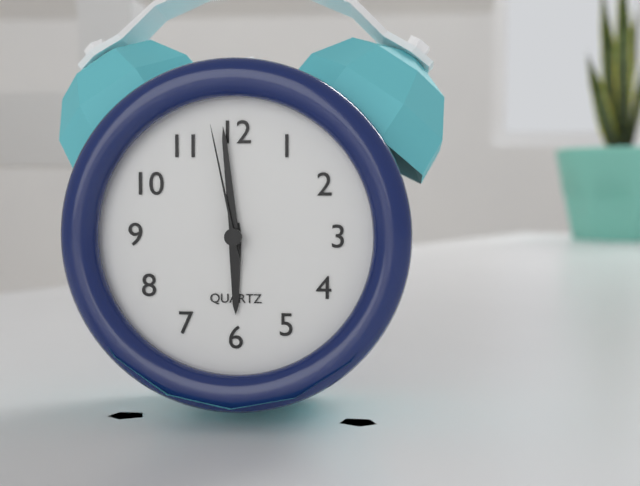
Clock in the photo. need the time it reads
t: 5:59:58
